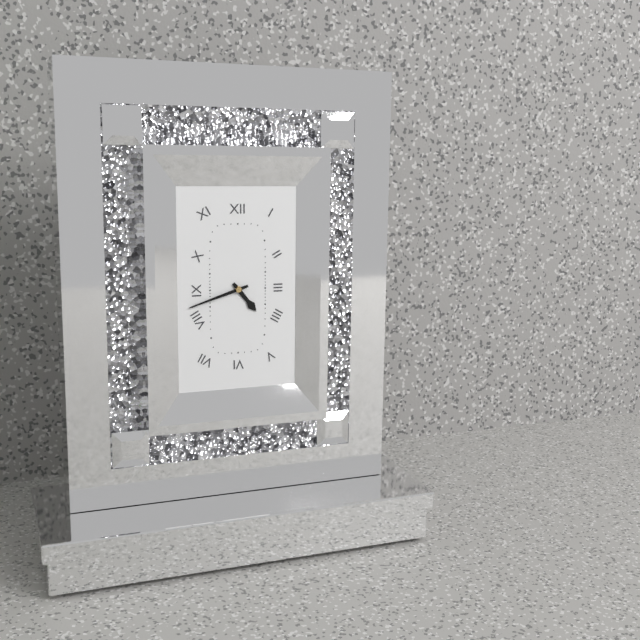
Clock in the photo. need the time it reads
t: 4:42
